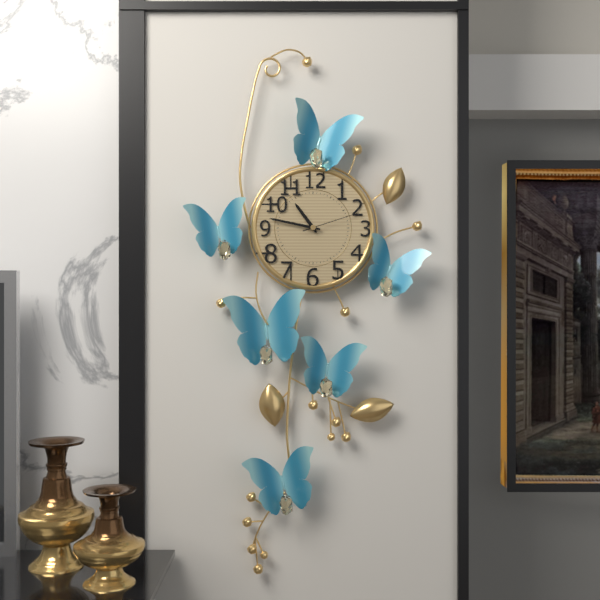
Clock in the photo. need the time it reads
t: 10:47:12
